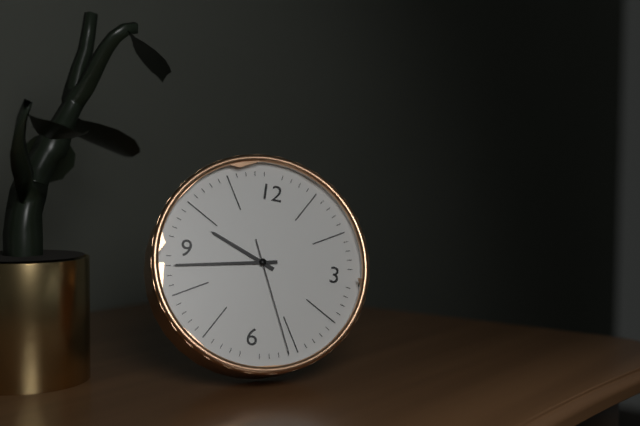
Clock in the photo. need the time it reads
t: 9:43:26
